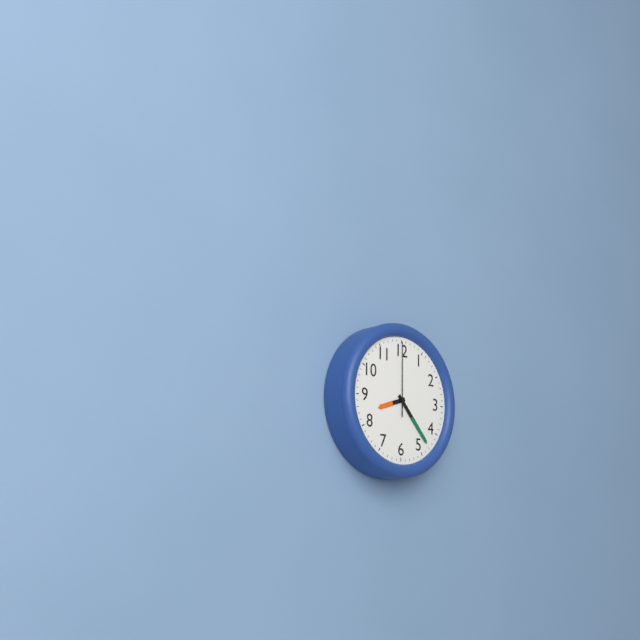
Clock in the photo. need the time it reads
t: 8:23:00
